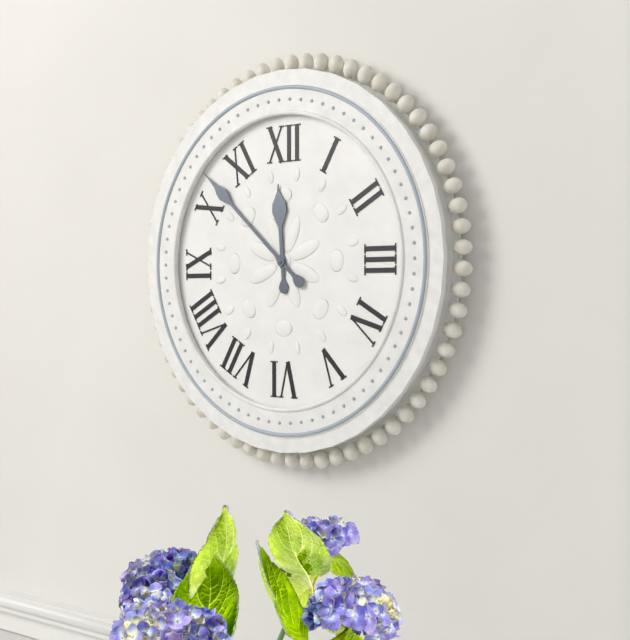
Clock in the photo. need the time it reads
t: 11:52
